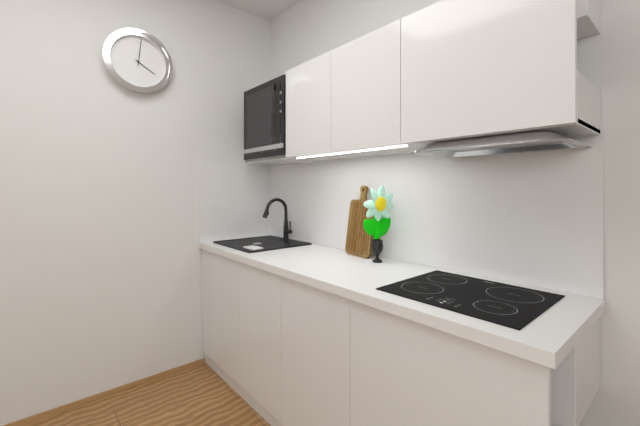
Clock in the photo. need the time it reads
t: 4:01
